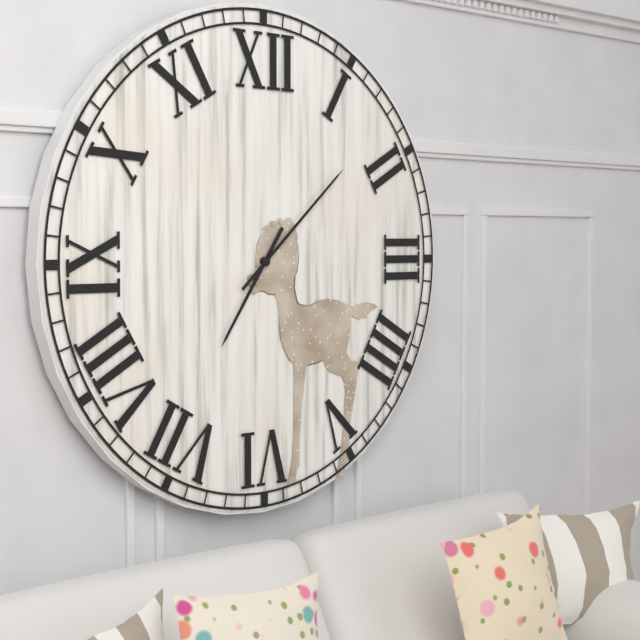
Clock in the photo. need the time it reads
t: 7:08
